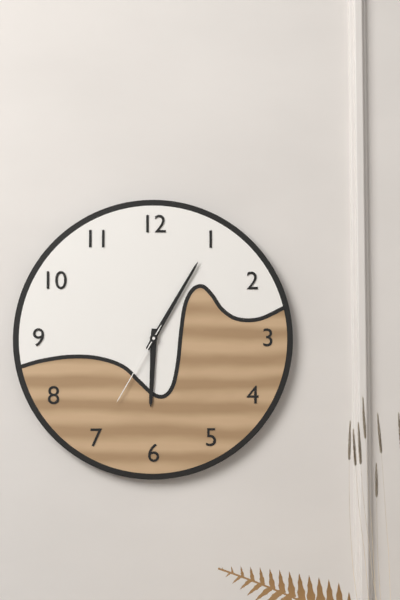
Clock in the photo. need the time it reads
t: 6:05:35
